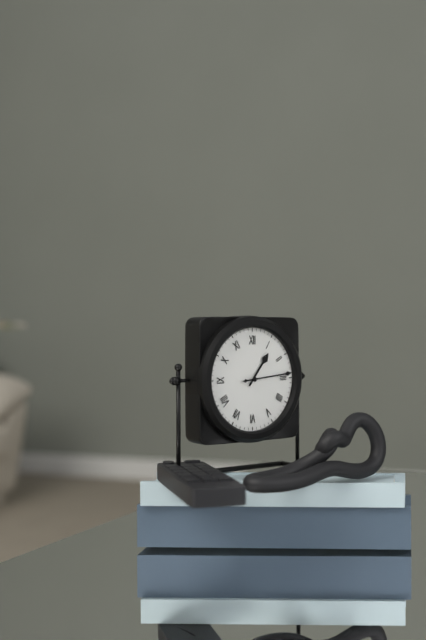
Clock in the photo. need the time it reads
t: 1:14
